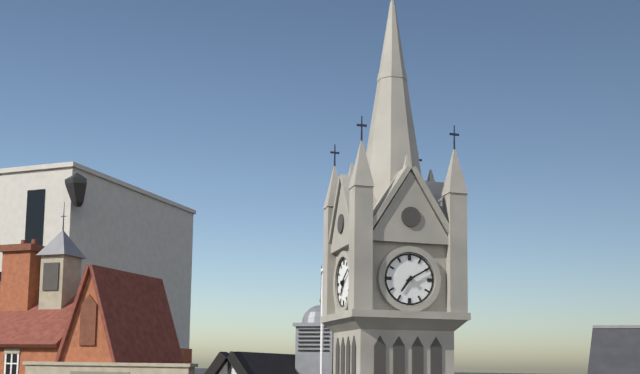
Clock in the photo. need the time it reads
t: 7:10
